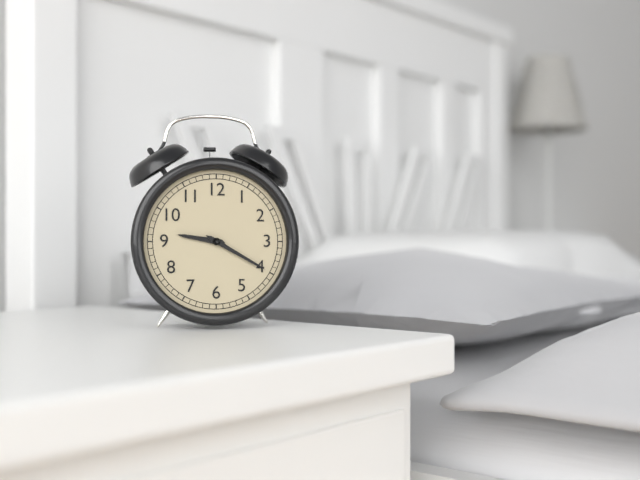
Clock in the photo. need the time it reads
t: 9:20
